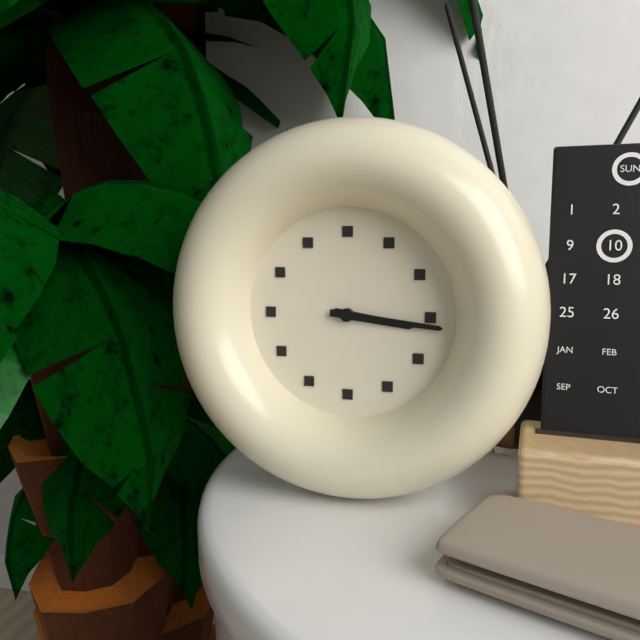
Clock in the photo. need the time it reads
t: 3:16
